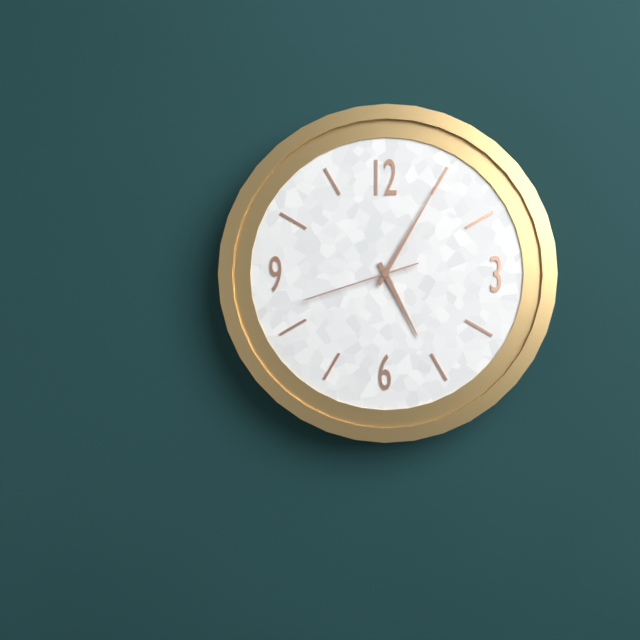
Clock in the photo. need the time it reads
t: 5:05:42
